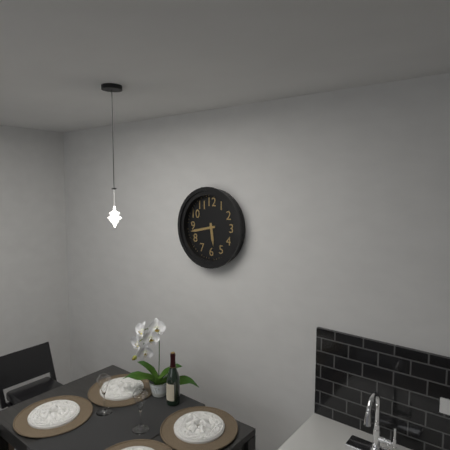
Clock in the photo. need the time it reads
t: 5:43
